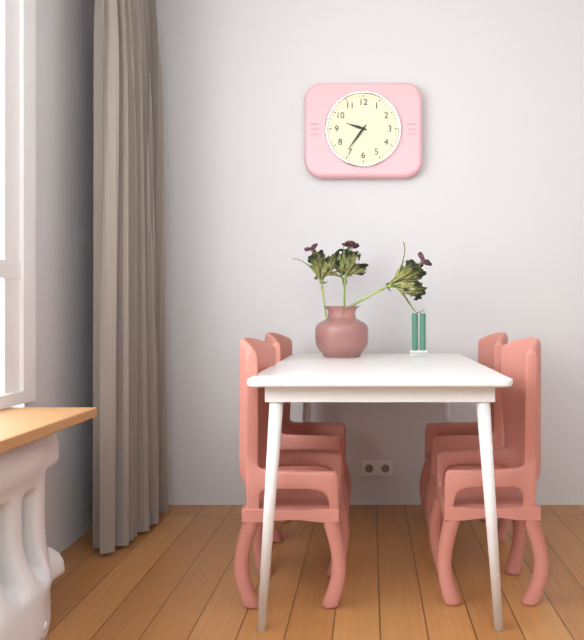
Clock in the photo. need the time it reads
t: 9:36
